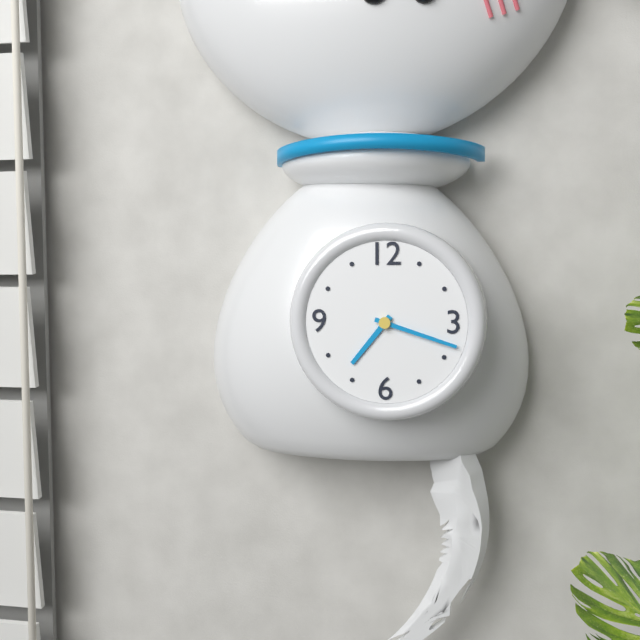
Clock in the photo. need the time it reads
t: 7:18
